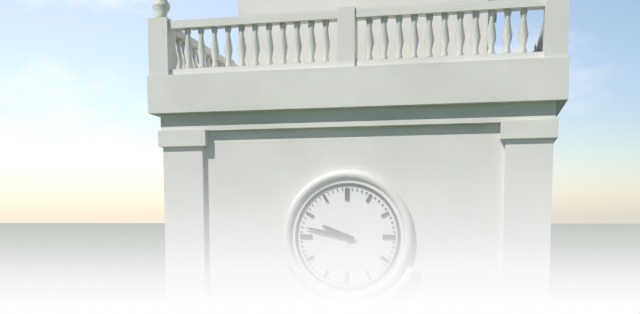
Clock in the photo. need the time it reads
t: 9:47
